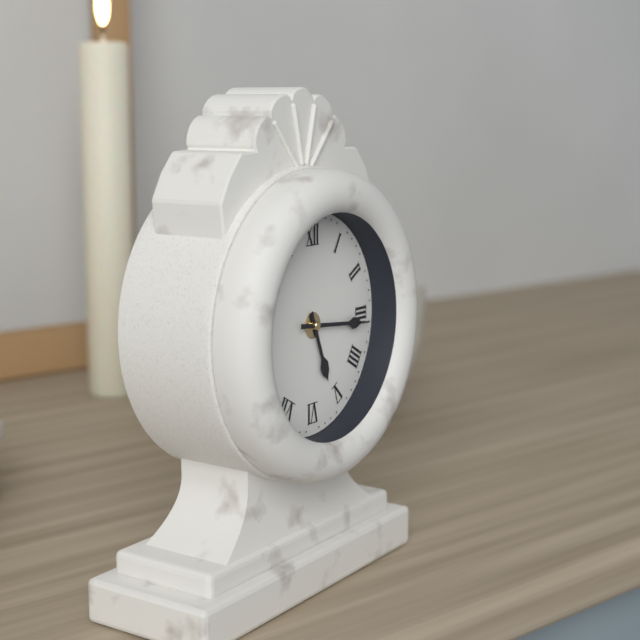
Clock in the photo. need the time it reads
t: 5:16
